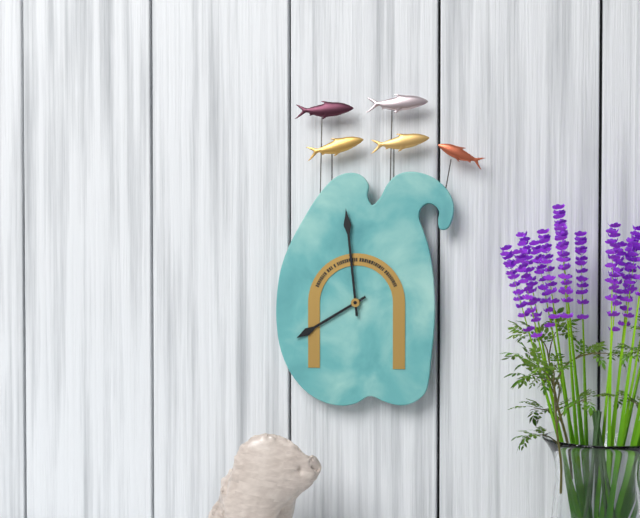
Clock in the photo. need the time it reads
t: 7:59
